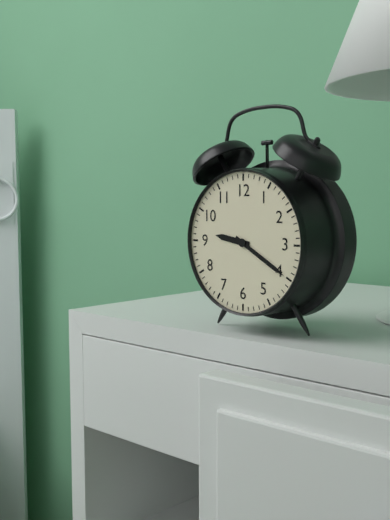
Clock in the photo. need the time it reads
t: 9:20
